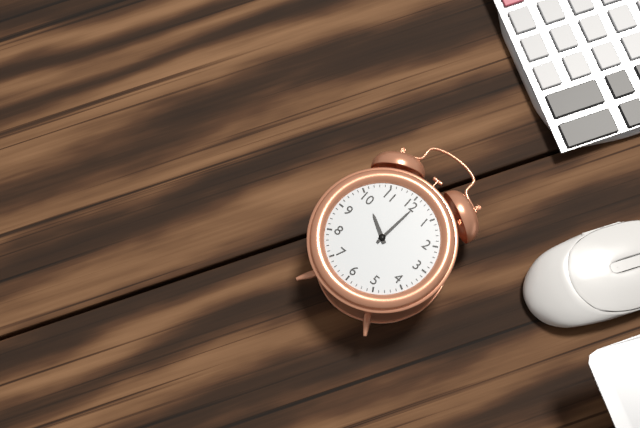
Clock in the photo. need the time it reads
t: 10:01
